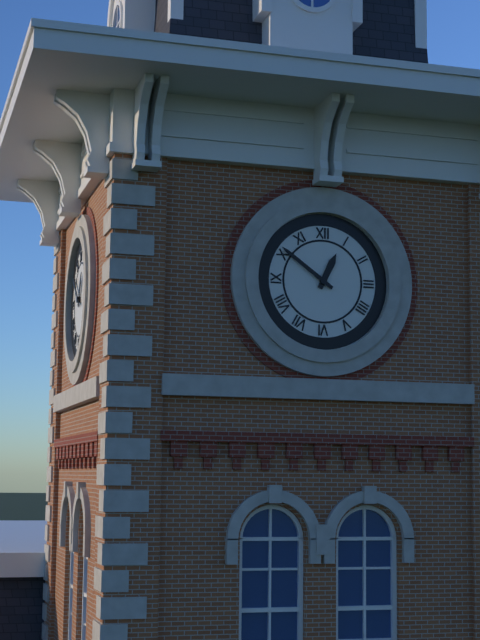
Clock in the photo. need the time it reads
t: 12:51
